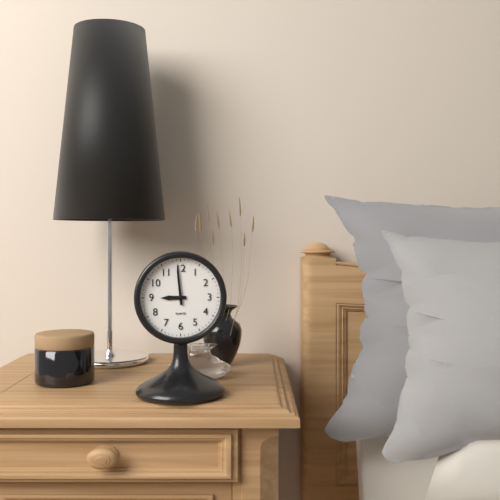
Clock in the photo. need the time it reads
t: 8:59
